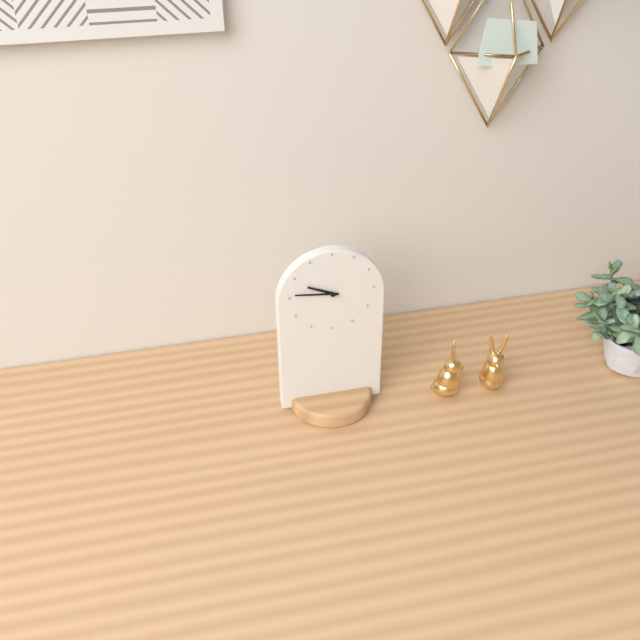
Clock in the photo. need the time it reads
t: 9:46
